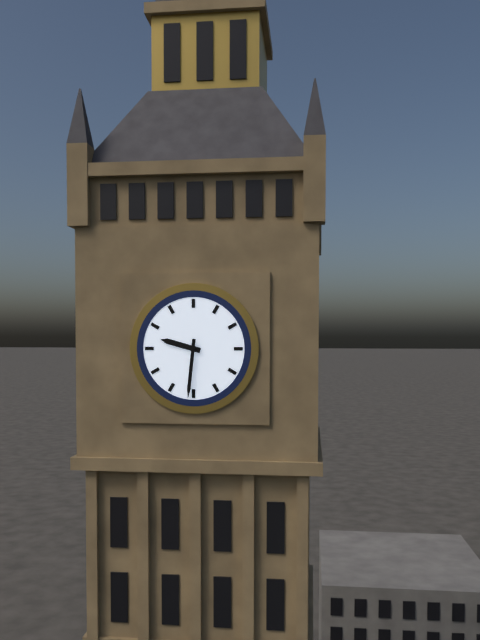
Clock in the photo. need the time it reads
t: 9:31
